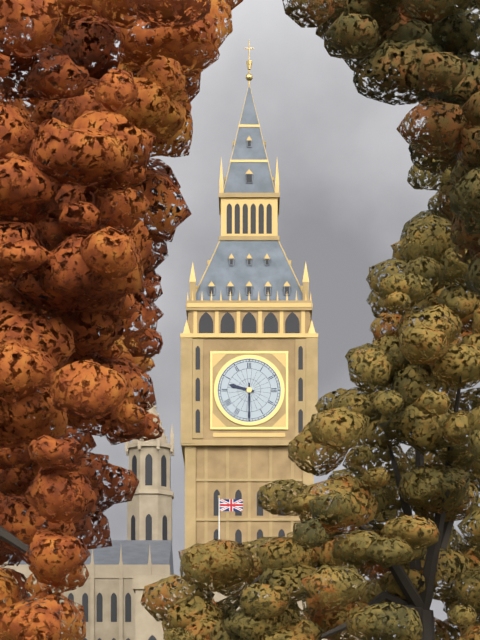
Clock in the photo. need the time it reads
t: 9:30
